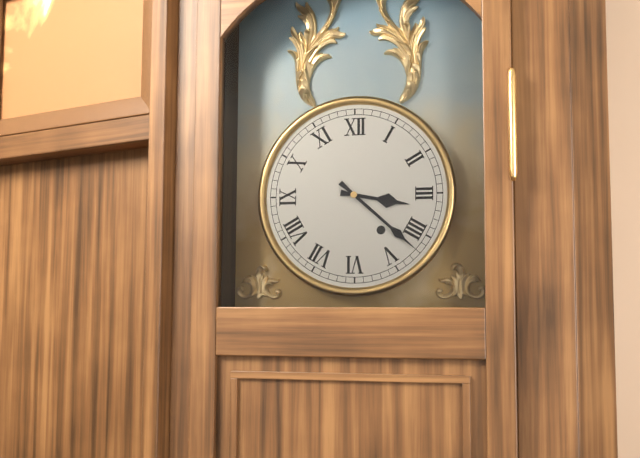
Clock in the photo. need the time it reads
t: 3:22
